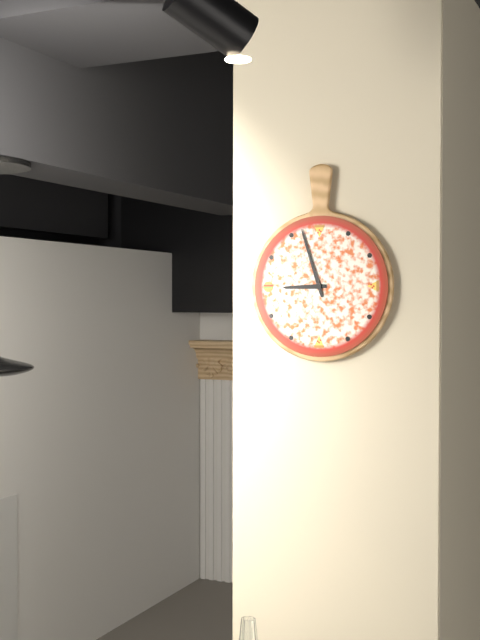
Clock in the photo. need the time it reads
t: 8:57
